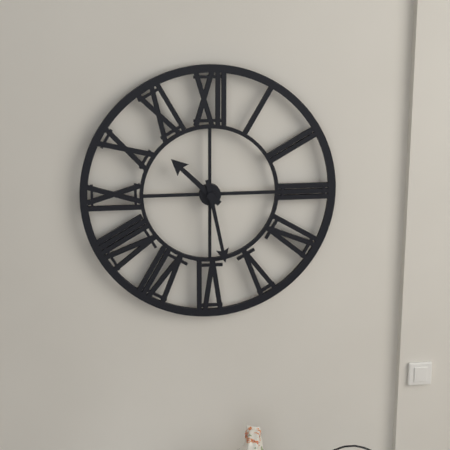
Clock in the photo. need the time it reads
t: 10:28
